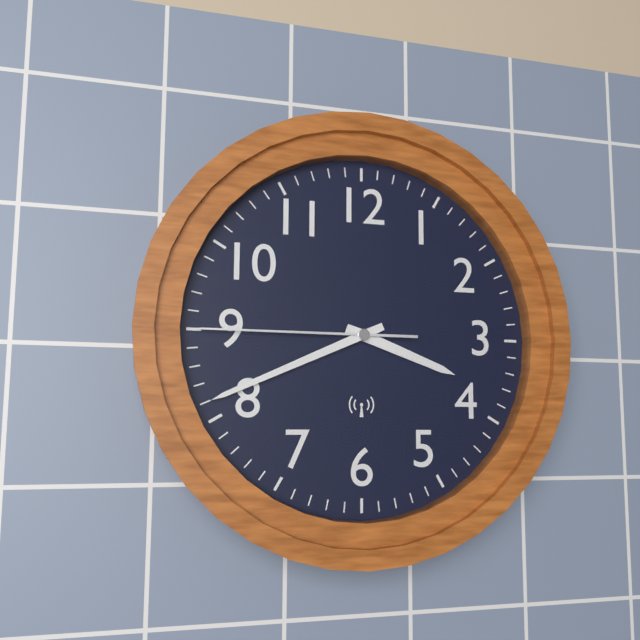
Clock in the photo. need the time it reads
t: 3:41:45
